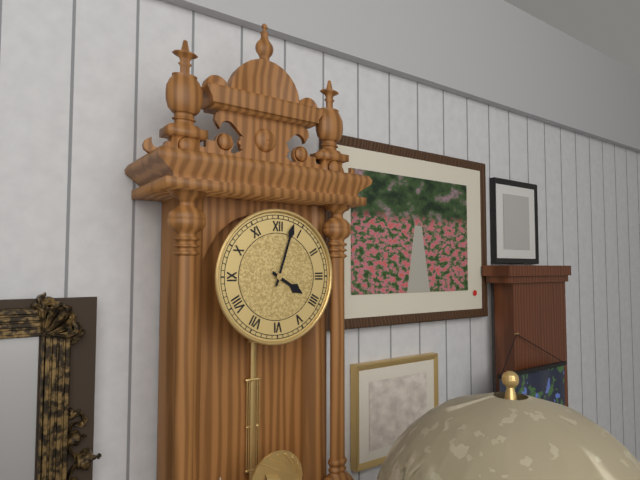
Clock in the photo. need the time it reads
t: 4:03
